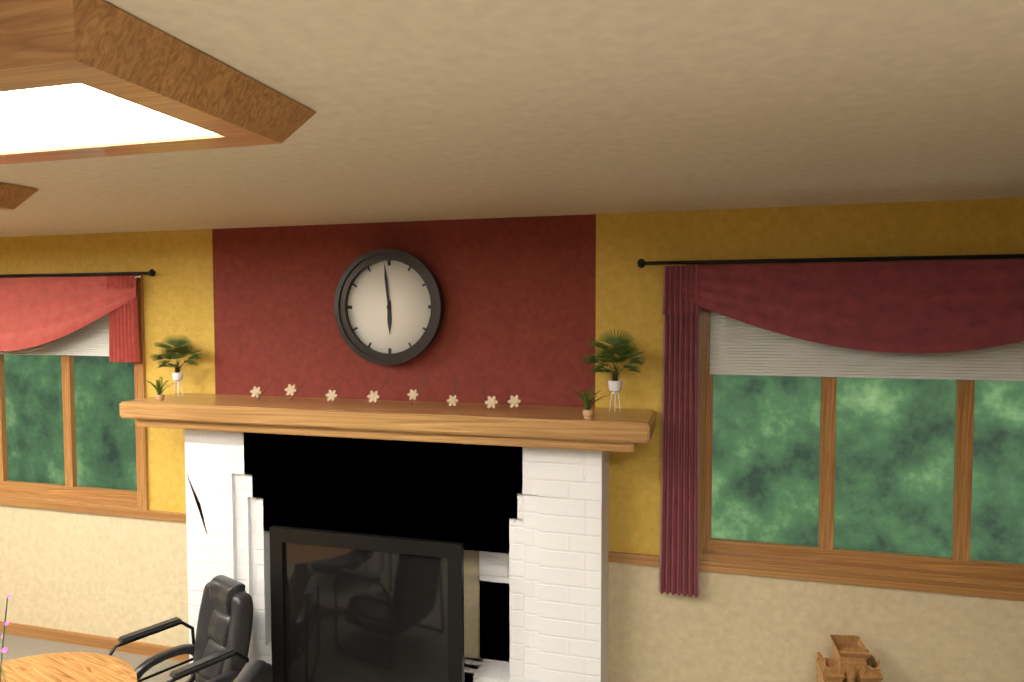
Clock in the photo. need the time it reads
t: 5:59
